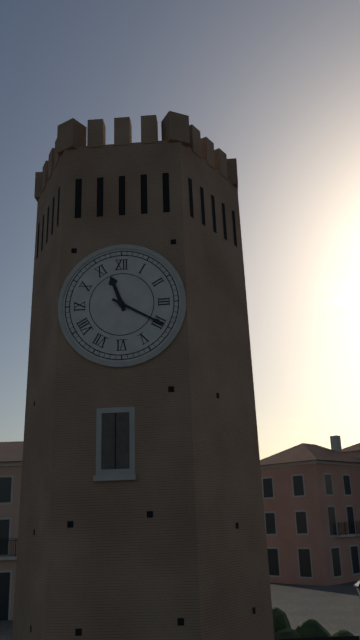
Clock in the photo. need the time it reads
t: 11:20
